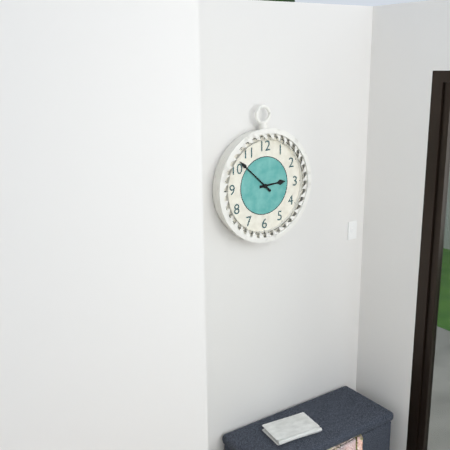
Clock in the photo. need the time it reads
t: 2:52
